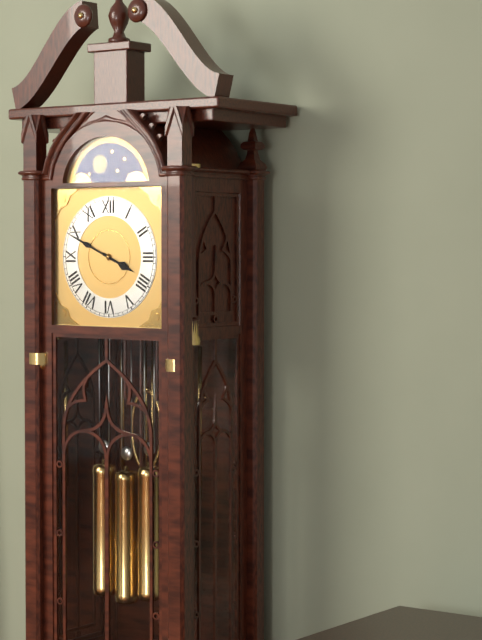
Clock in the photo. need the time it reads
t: 3:49
